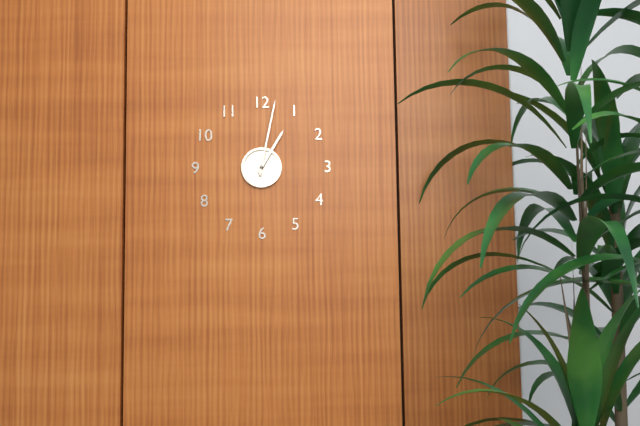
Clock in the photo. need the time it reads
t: 1:02
